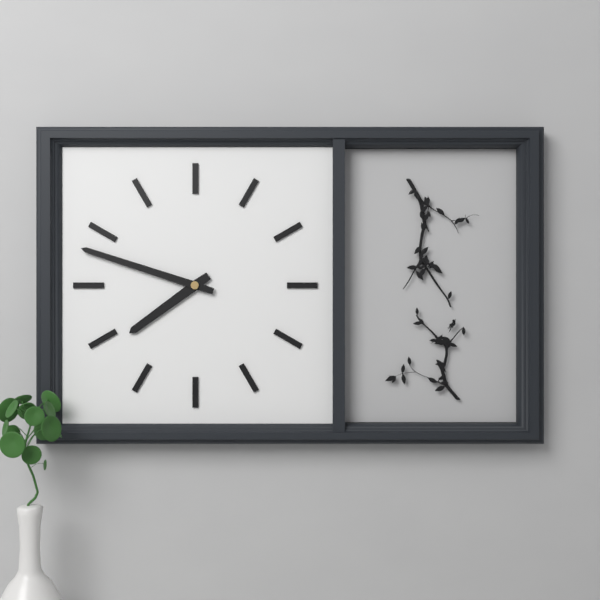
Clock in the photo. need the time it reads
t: 7:48
